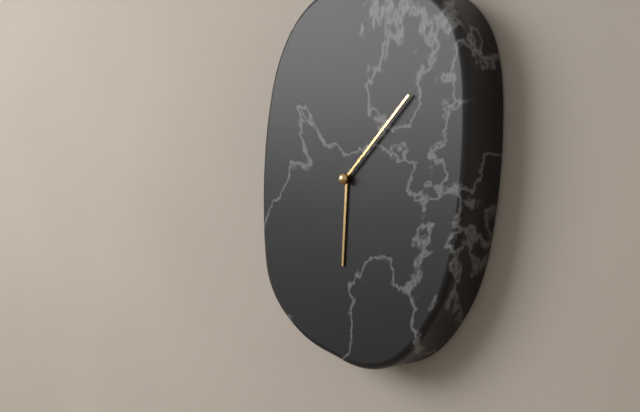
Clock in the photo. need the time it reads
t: 6:08
